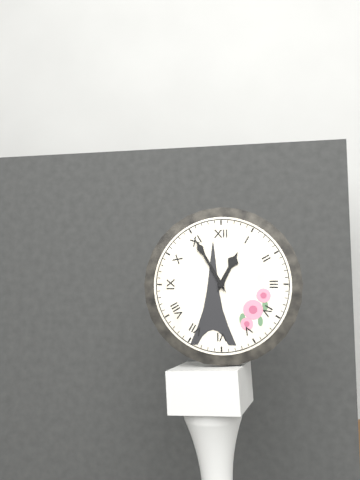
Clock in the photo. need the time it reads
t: 12:55
